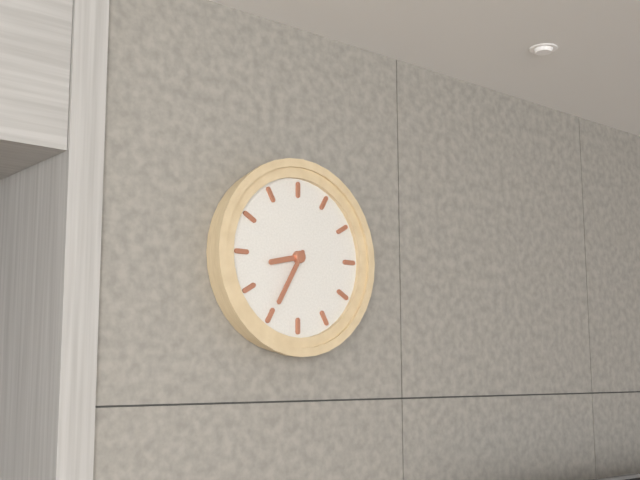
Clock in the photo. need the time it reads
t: 8:35
